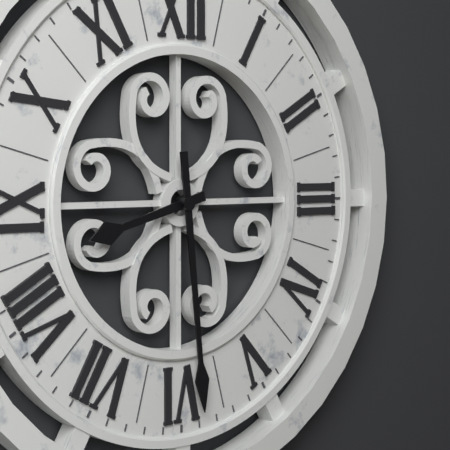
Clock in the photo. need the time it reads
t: 8:29
